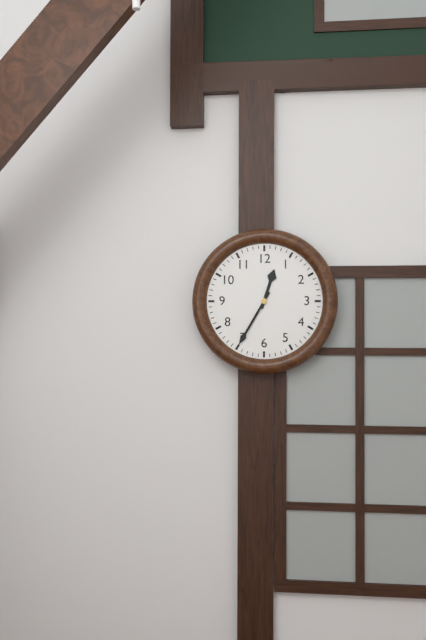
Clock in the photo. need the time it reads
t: 12:35
